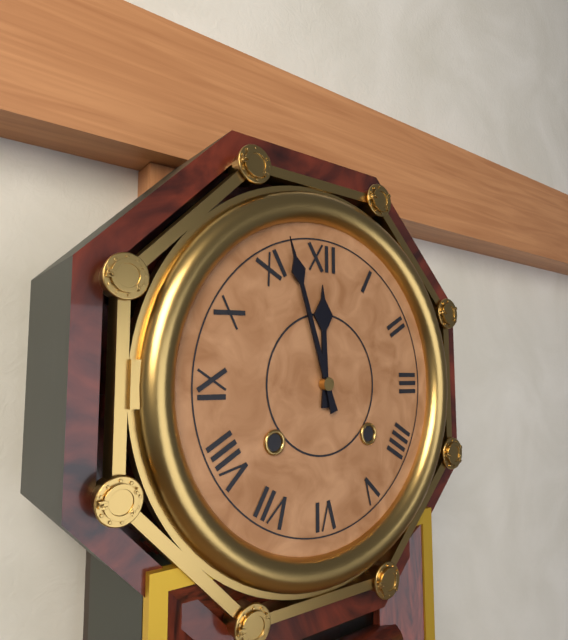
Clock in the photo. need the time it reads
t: 11:57
